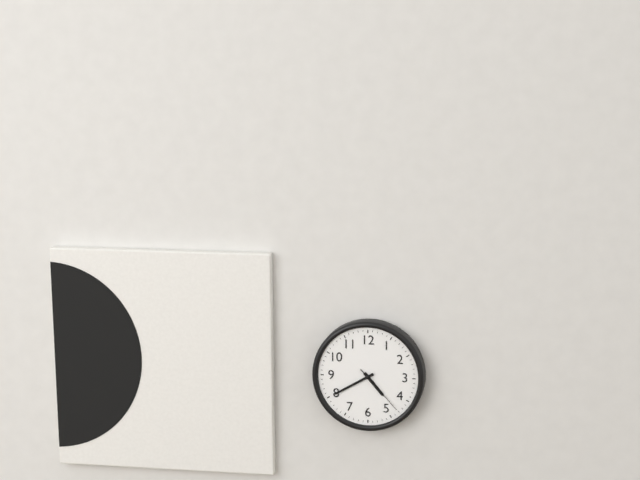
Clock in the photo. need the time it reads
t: 4:40:23
